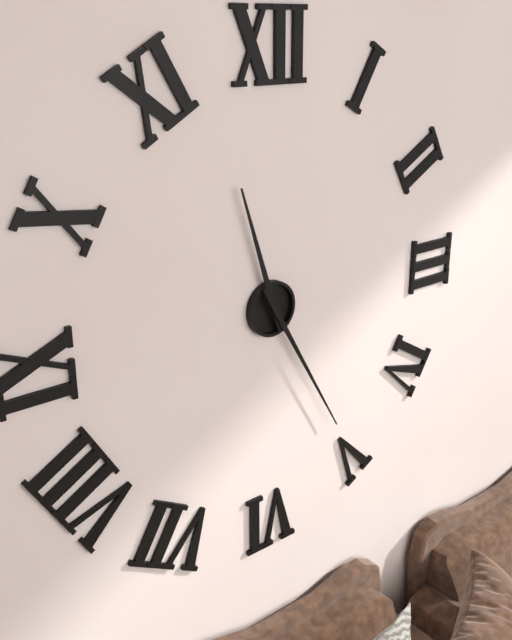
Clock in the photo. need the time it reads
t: 11:25
